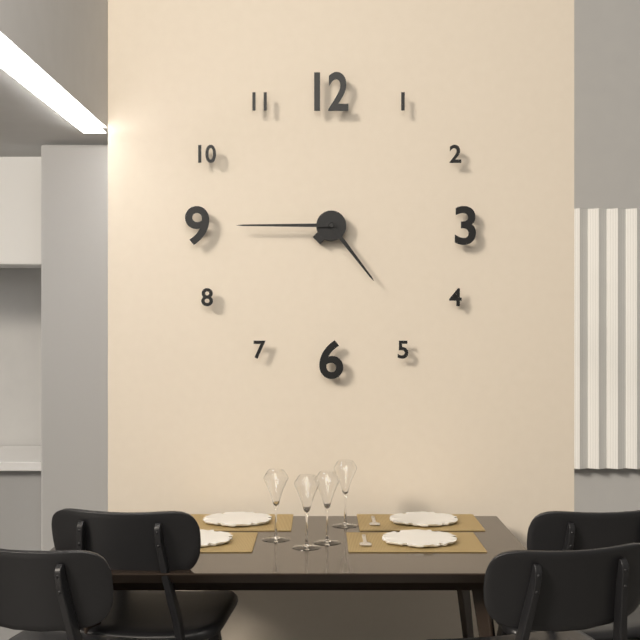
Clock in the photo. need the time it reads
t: 4:45
